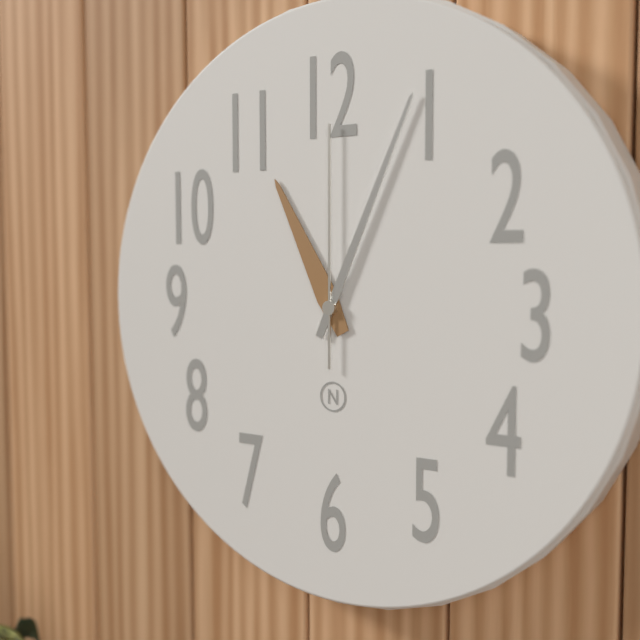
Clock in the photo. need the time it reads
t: 11:04:00
